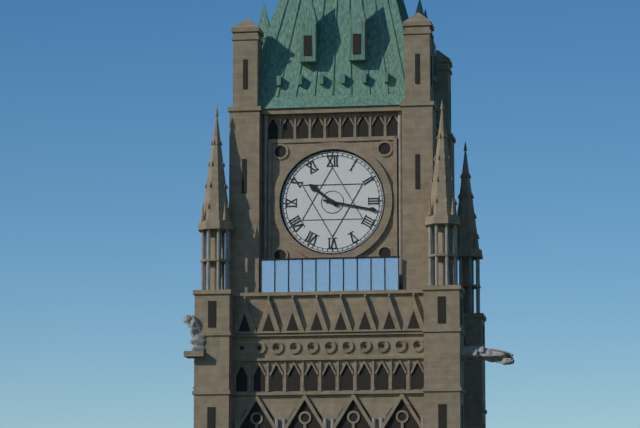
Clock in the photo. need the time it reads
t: 10:17
